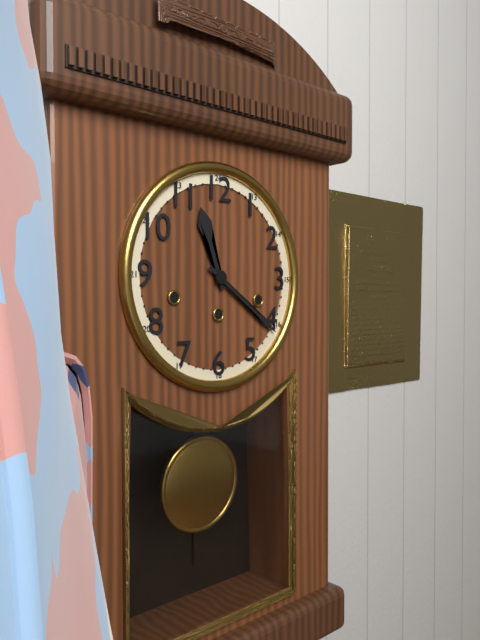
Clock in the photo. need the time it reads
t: 11:21
